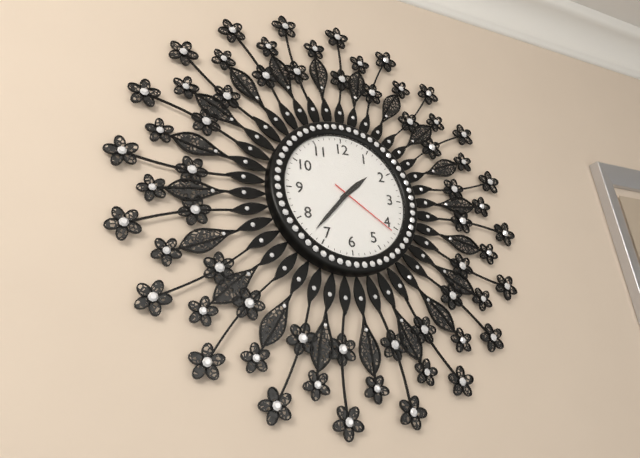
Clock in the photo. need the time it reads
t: 1:37:21
